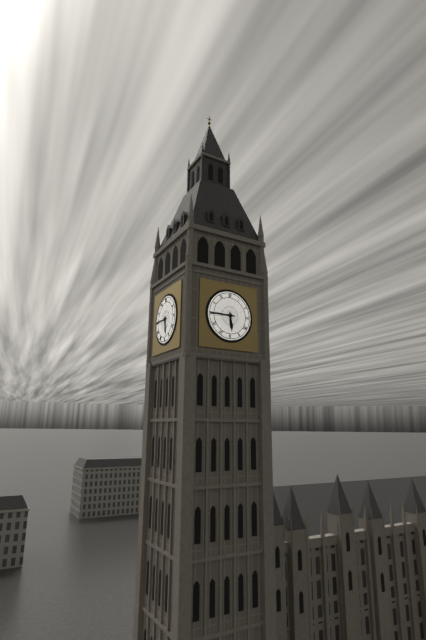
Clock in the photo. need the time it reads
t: 5:45
